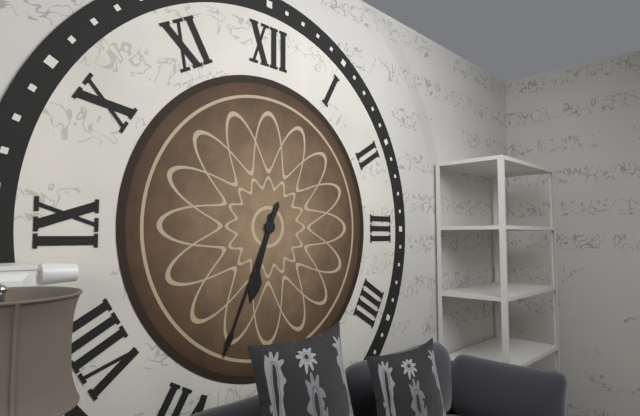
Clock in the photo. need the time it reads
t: 6:34
